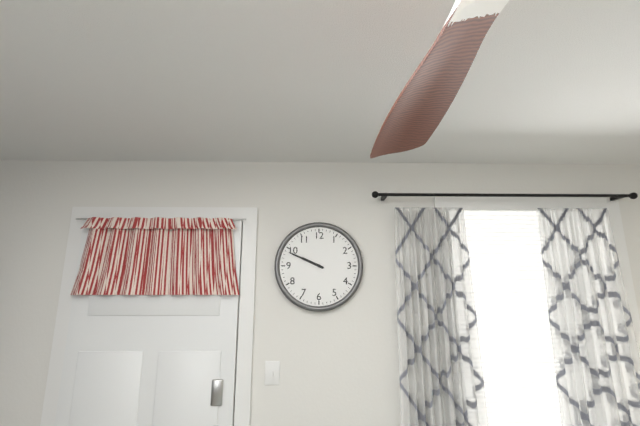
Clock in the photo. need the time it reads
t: 9:49
